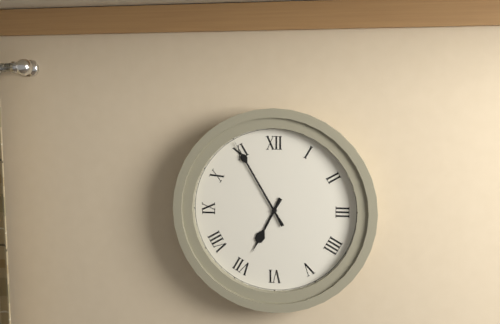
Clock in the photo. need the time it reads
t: 6:55
